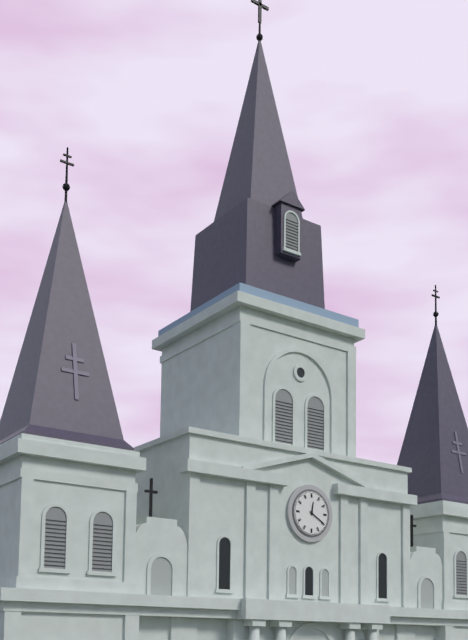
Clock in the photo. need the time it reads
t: 12:20
